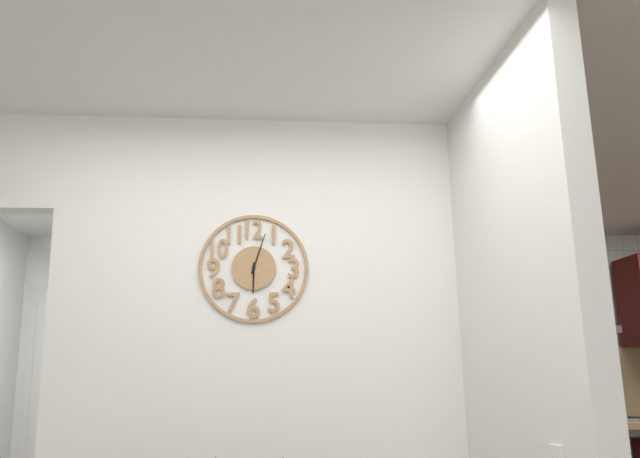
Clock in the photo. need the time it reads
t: 6:03
